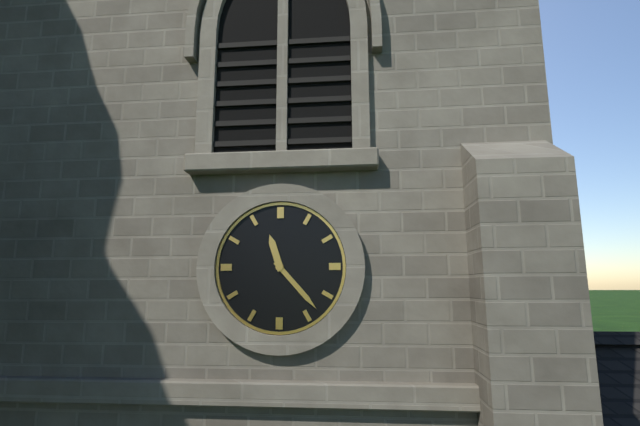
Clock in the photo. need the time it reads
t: 11:23
